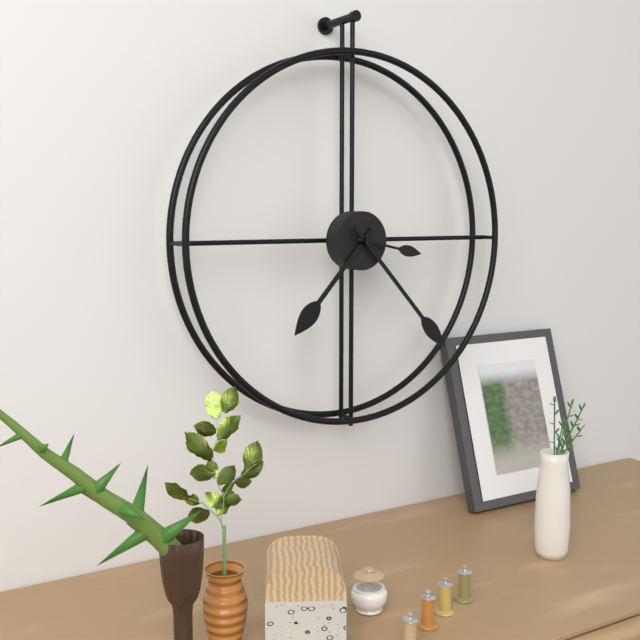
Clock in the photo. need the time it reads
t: 7:23:17
